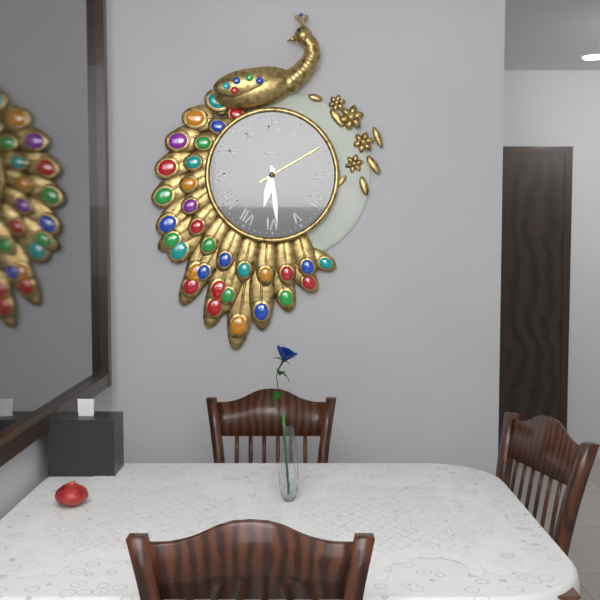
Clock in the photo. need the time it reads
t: 6:29:10
